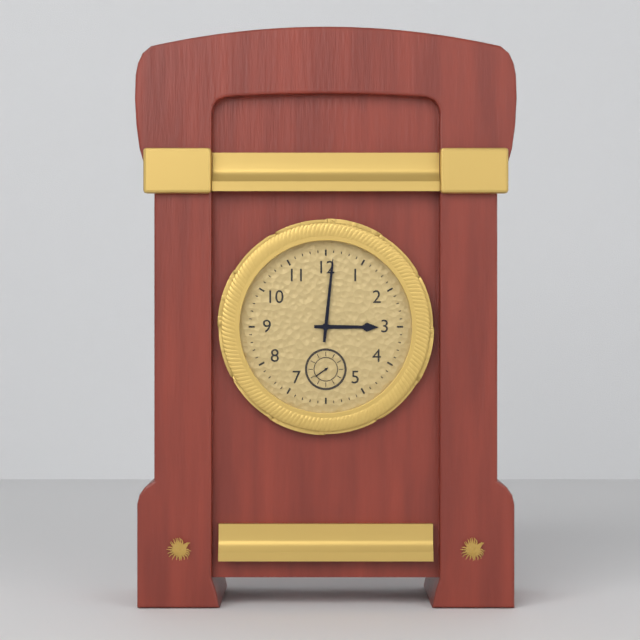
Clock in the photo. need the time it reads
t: 3:01
